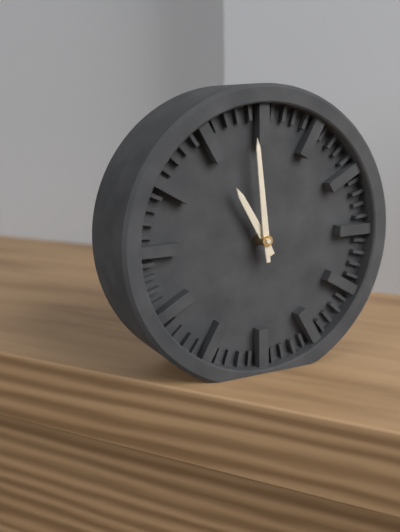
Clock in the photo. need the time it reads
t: 10:59
